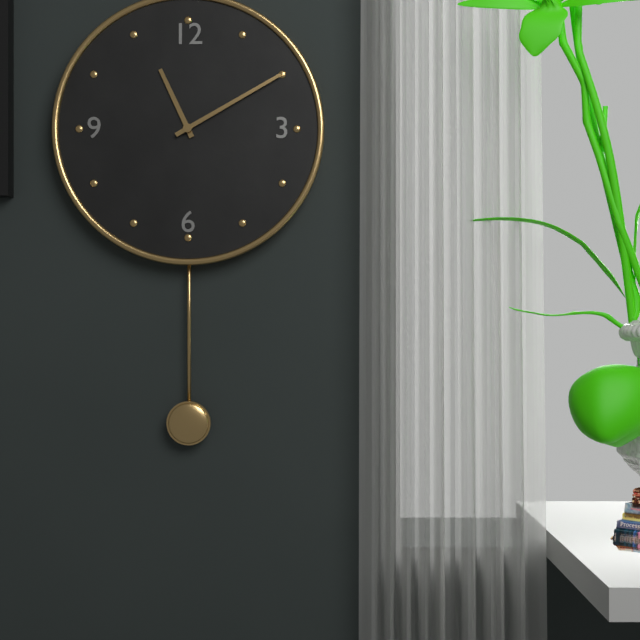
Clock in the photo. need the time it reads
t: 11:10
